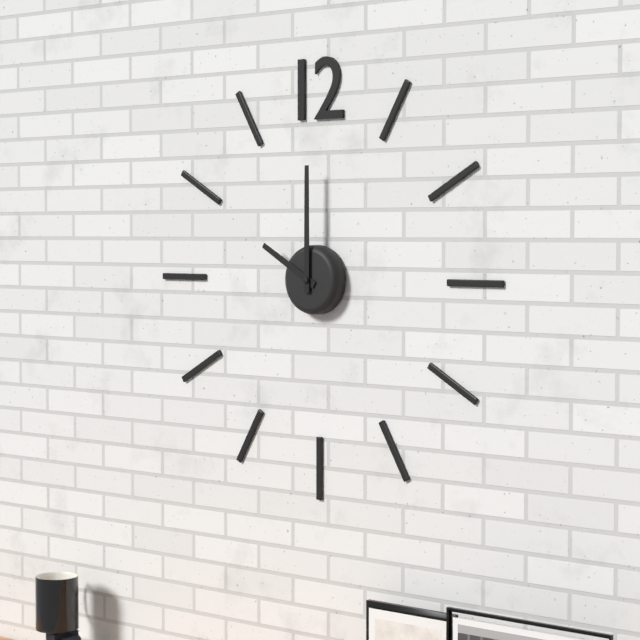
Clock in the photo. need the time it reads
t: 10:00
